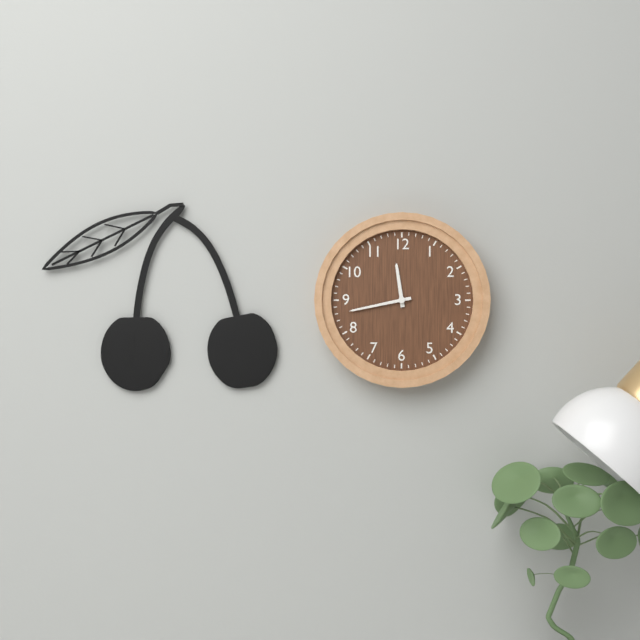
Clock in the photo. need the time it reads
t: 11:43
